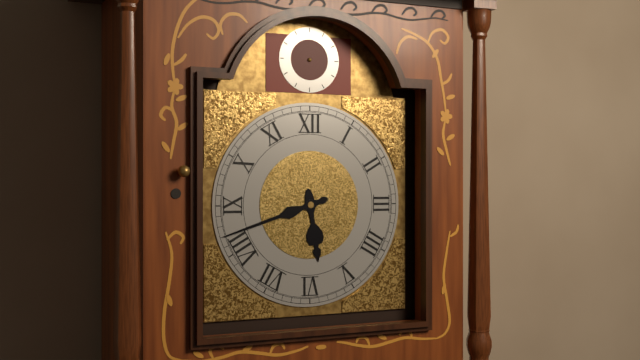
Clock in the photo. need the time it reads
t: 5:42
